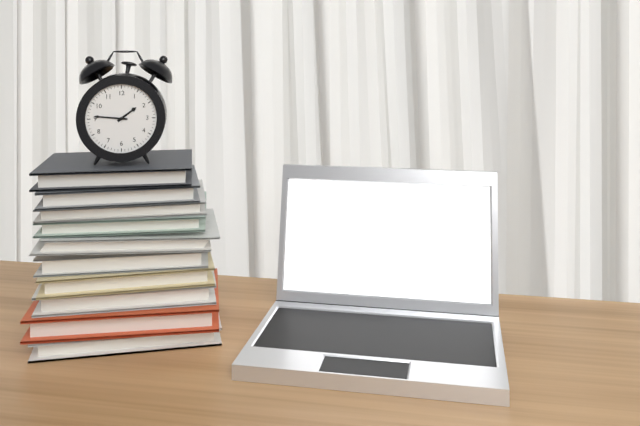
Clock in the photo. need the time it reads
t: 1:46
